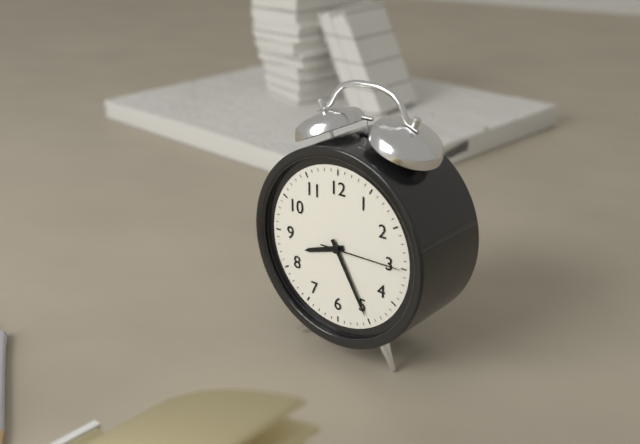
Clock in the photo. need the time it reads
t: 8:25:15
